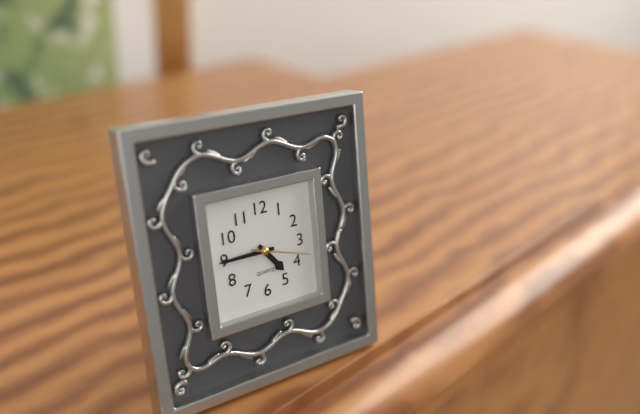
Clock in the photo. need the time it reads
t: 4:45:18
